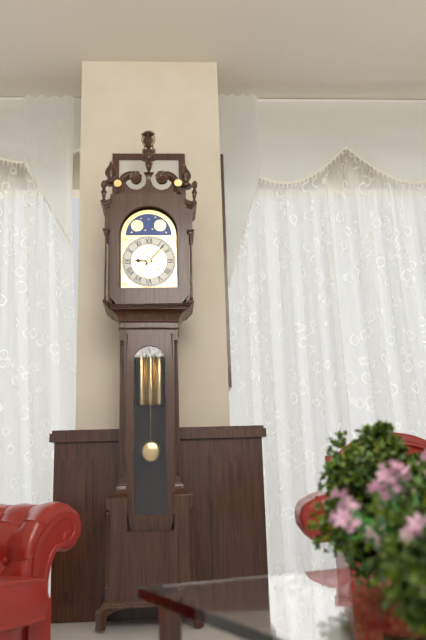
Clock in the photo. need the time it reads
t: 9:07
